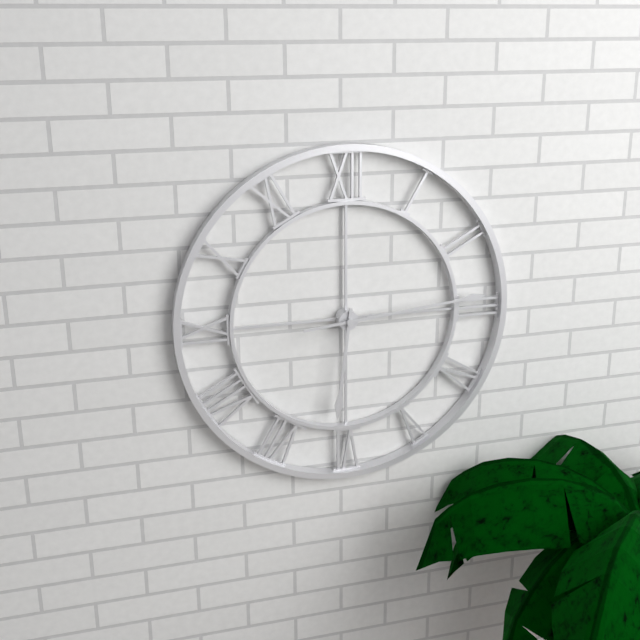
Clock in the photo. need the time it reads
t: 6:14
